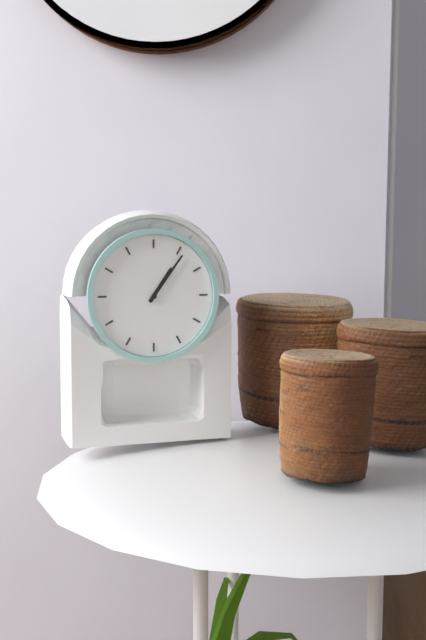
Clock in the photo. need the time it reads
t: 1:06
